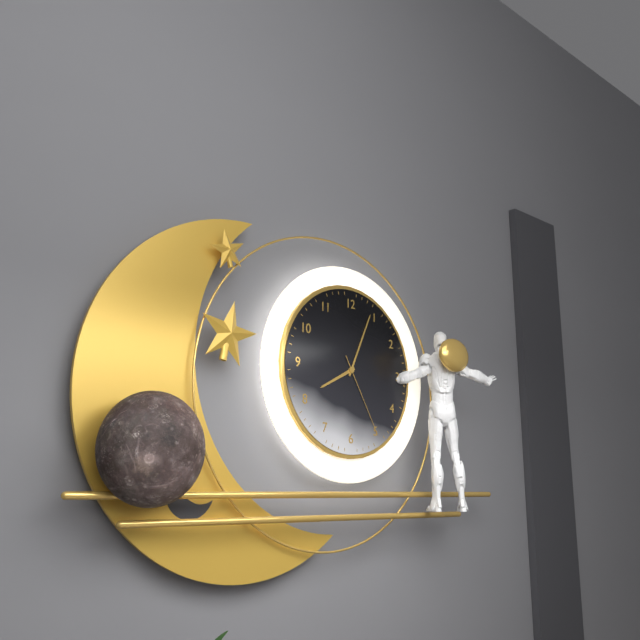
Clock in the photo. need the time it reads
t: 8:04:25
